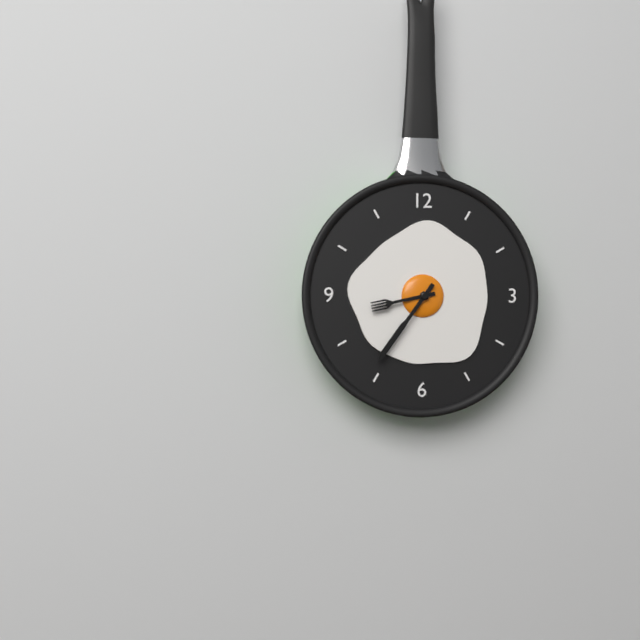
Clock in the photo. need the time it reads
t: 8:36
